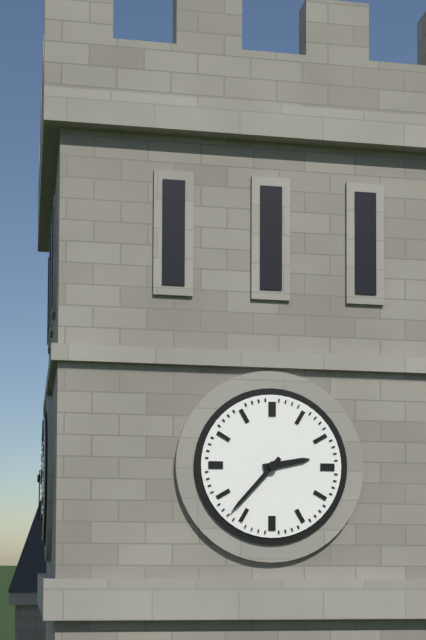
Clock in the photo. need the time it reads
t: 2:37
